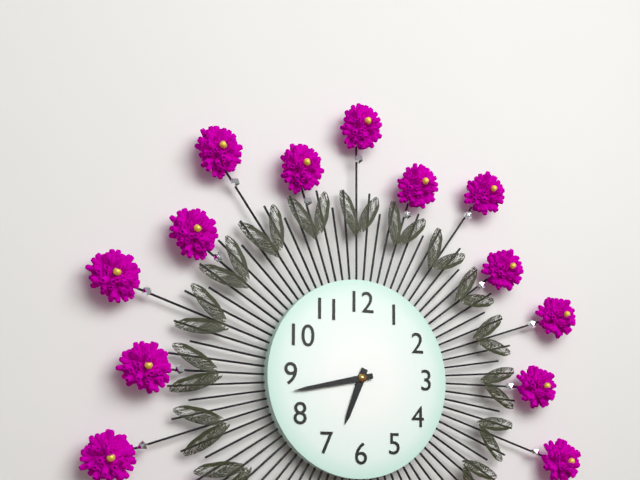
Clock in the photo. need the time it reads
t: 6:43
